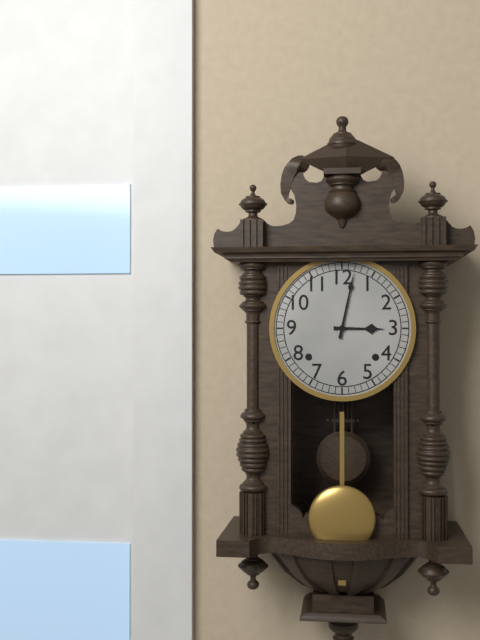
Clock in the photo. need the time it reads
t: 3:02
